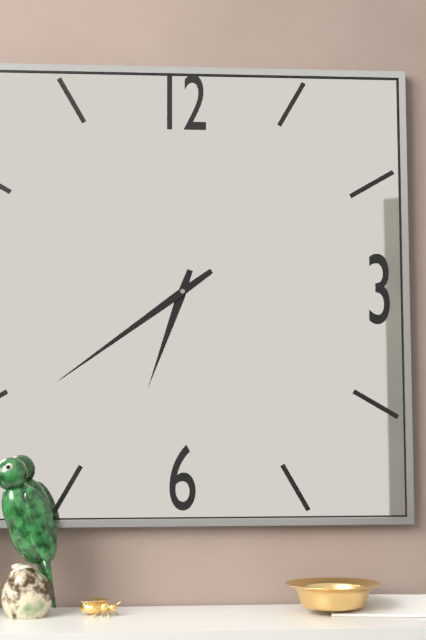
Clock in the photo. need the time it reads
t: 6:39
